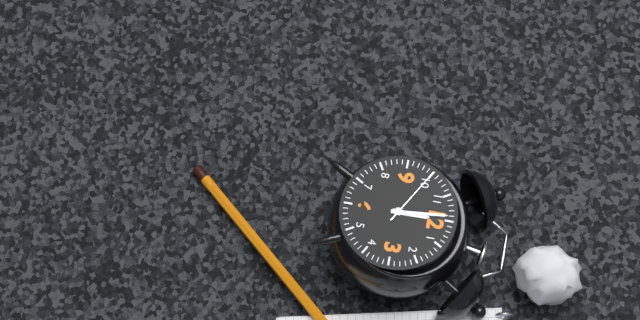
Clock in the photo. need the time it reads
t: 11:59:50
